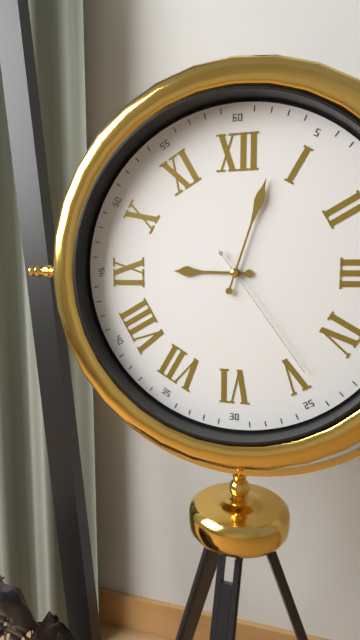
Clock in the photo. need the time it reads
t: 9:03:24
